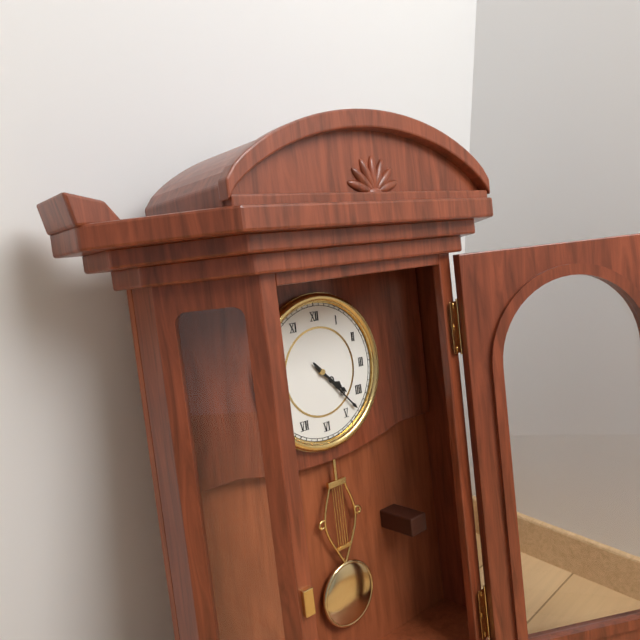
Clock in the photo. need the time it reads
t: 4:23
